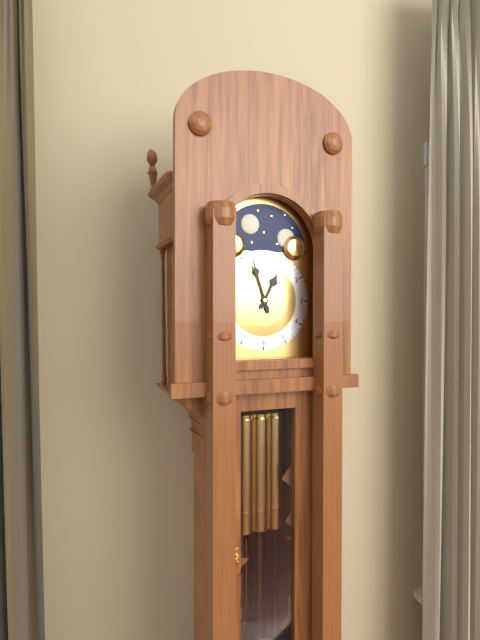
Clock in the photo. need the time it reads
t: 12:57
